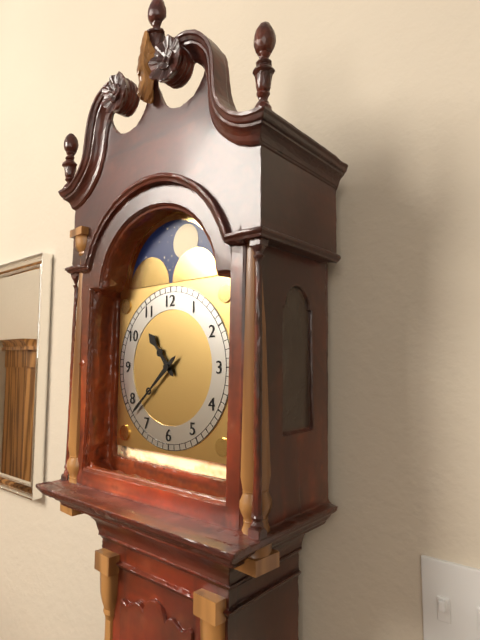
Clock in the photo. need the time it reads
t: 10:38
